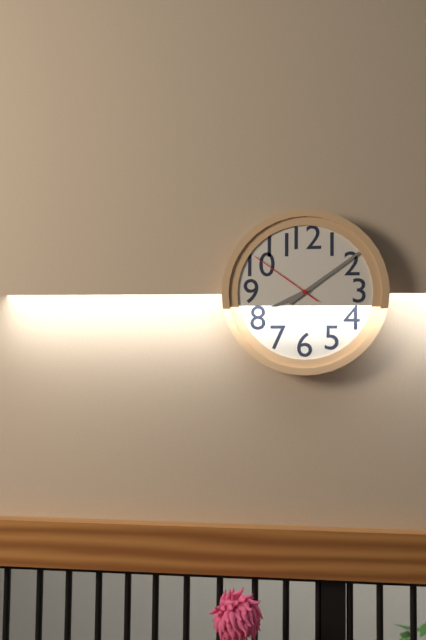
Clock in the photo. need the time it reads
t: 8:09:51
